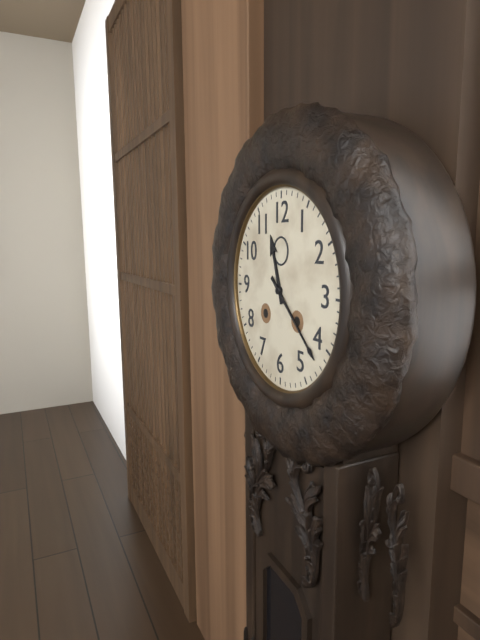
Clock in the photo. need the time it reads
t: 11:22
